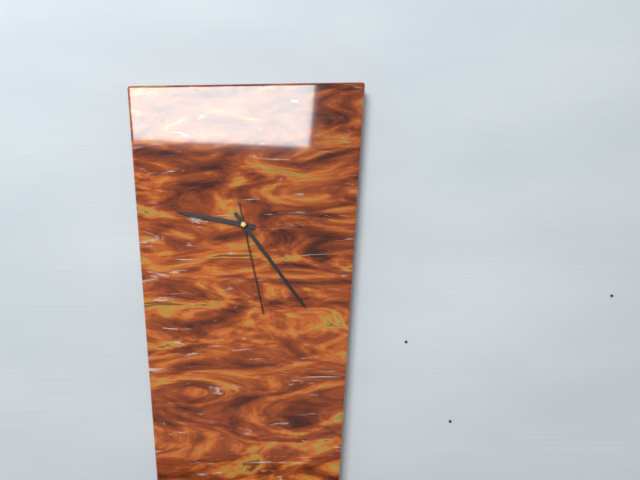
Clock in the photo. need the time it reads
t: 9:24:28
